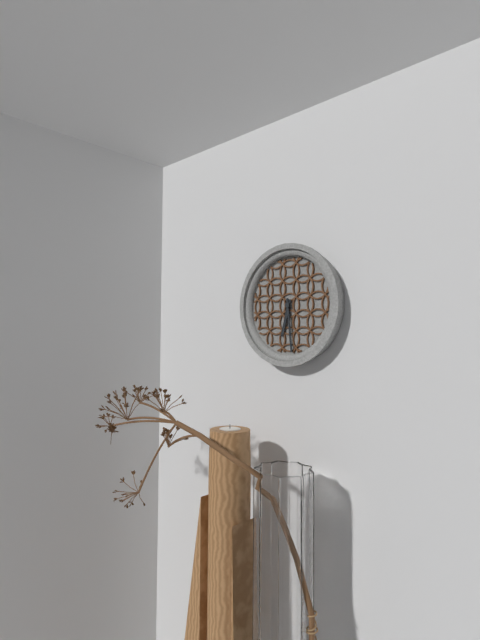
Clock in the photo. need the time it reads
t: 6:29
